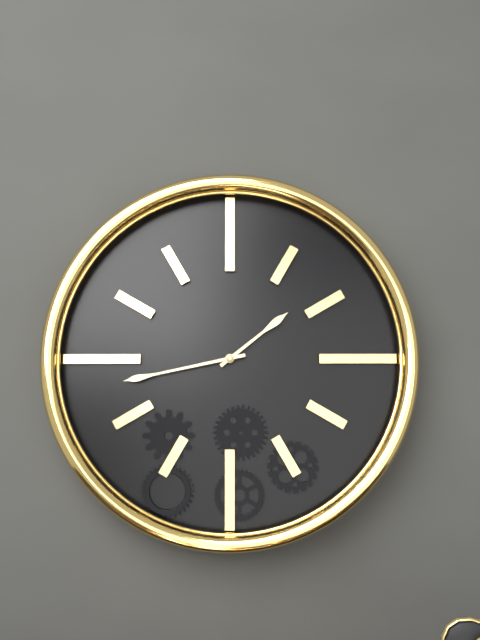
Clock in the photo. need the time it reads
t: 1:43
